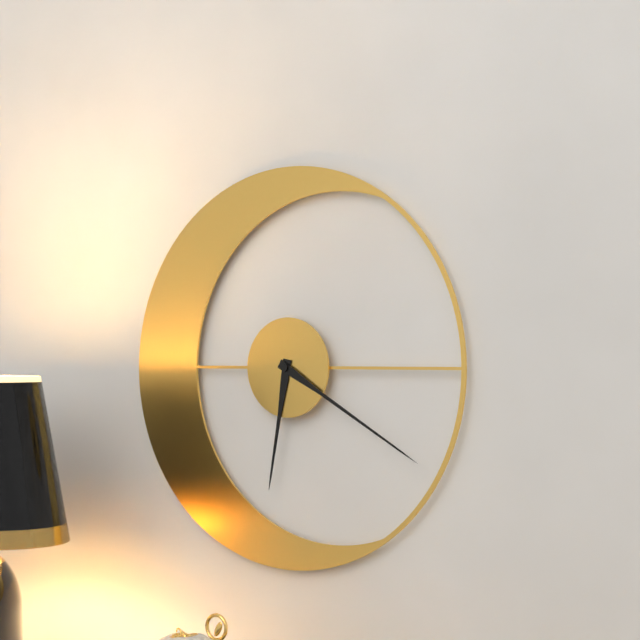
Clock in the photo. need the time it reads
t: 6:20
